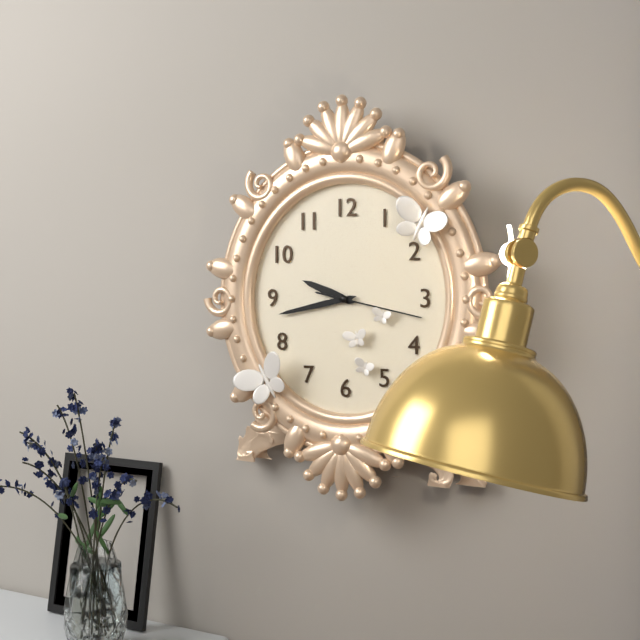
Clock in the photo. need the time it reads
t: 9:43:17
